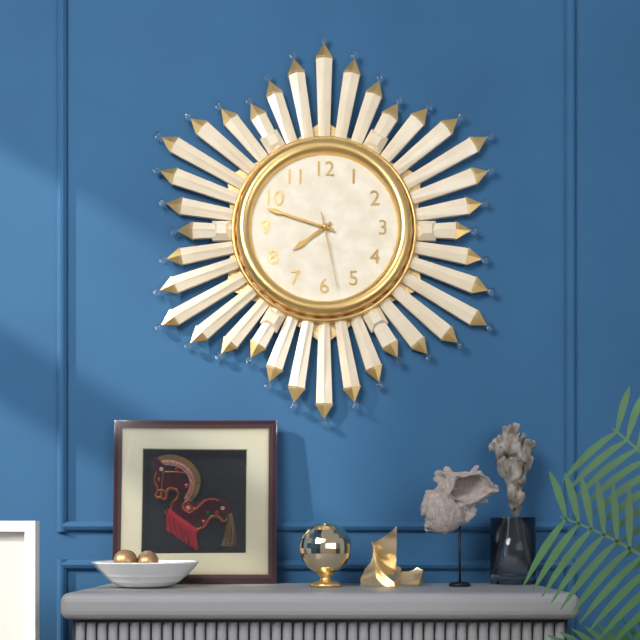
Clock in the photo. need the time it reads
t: 7:48:28
